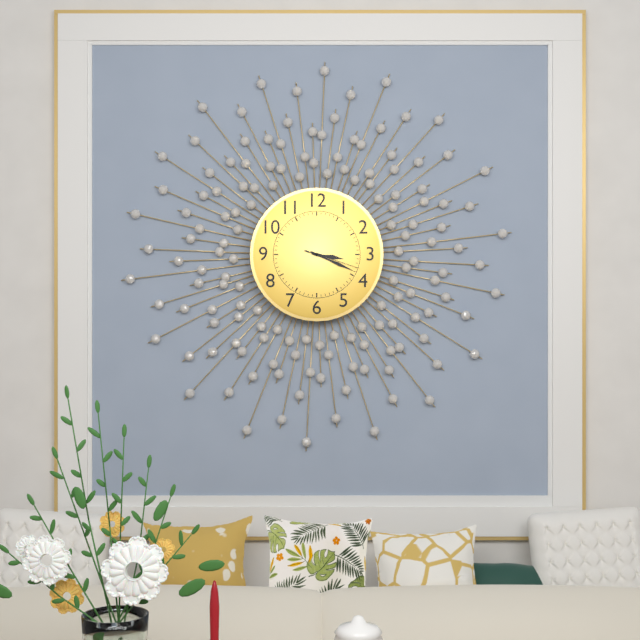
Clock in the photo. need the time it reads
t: 3:19:18
